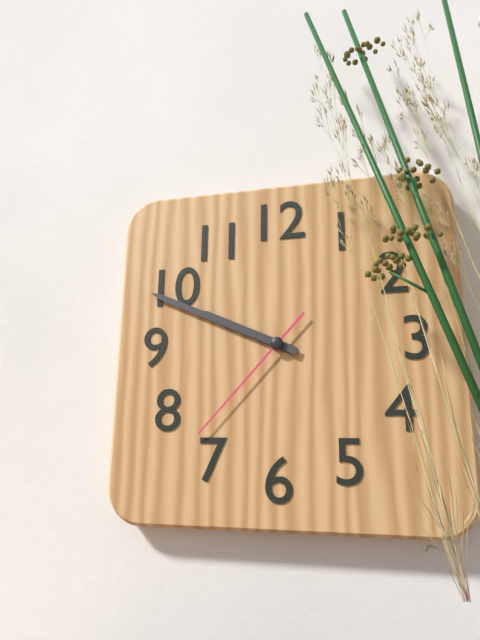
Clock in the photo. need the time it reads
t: 9:49:37
